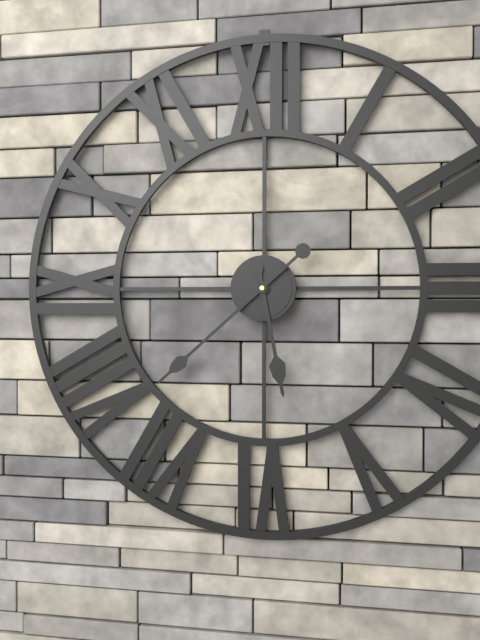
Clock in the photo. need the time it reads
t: 5:38
